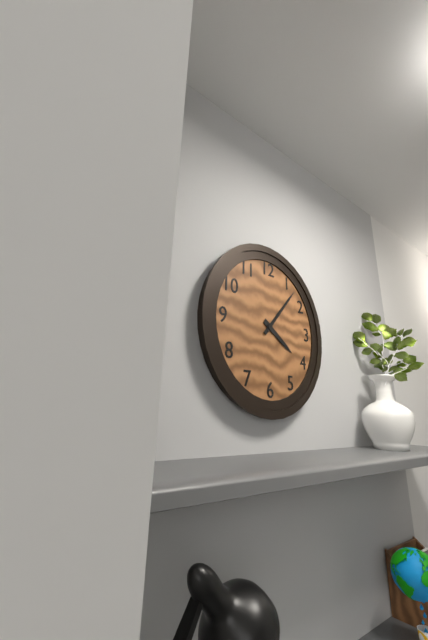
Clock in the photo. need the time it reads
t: 4:07
